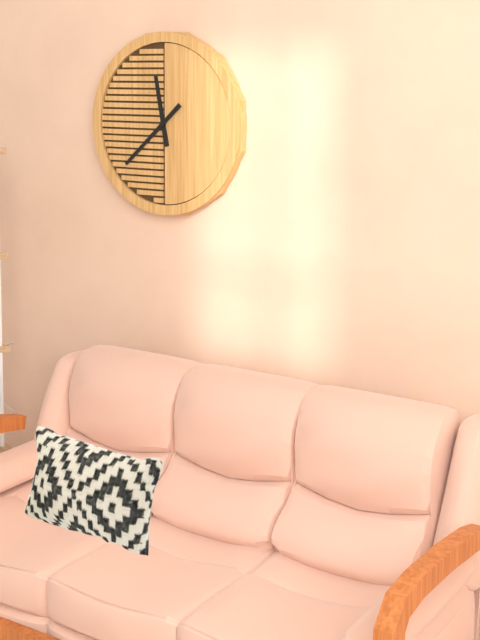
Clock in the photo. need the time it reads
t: 11:38
